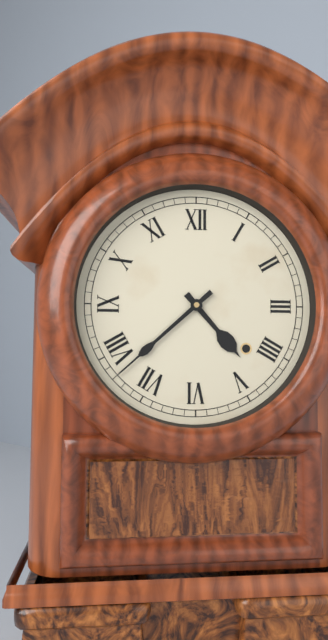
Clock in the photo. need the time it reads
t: 4:38
